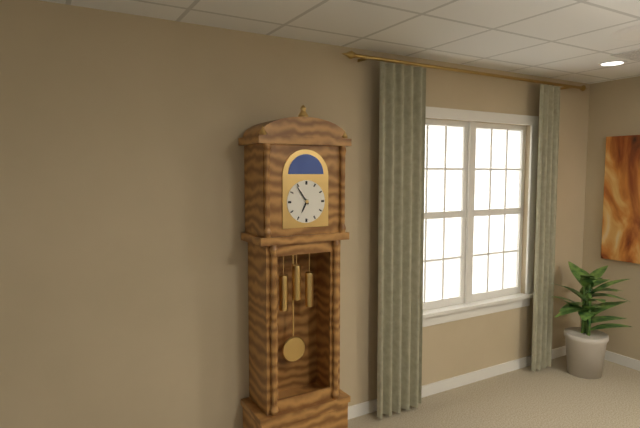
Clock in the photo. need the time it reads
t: 6:54
